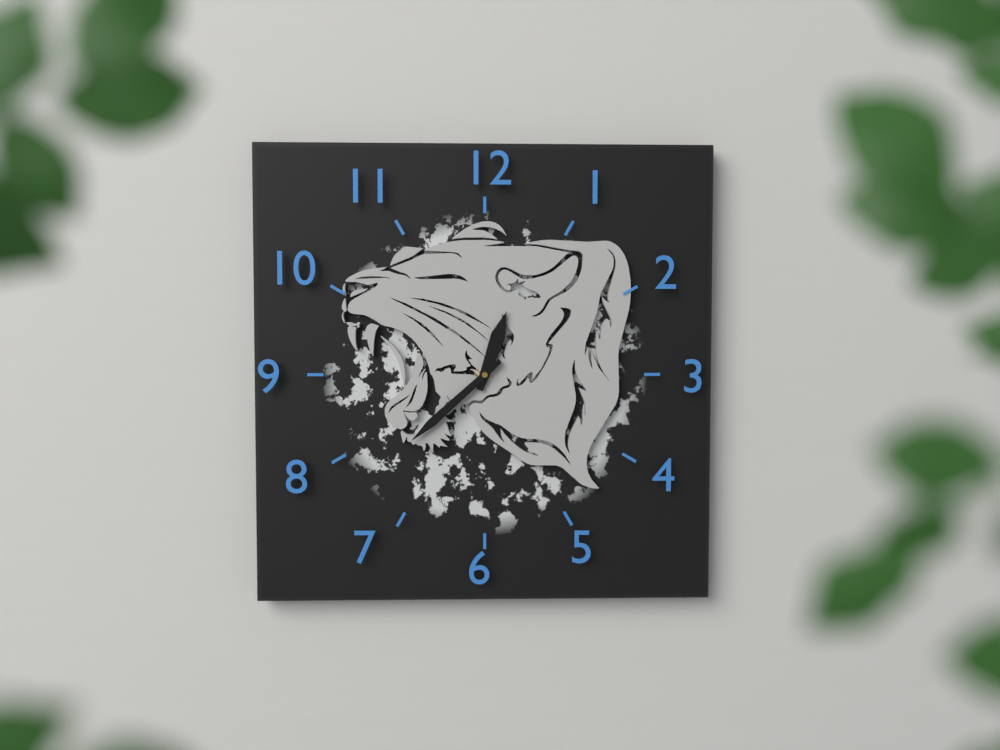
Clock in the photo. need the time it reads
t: 12:38
